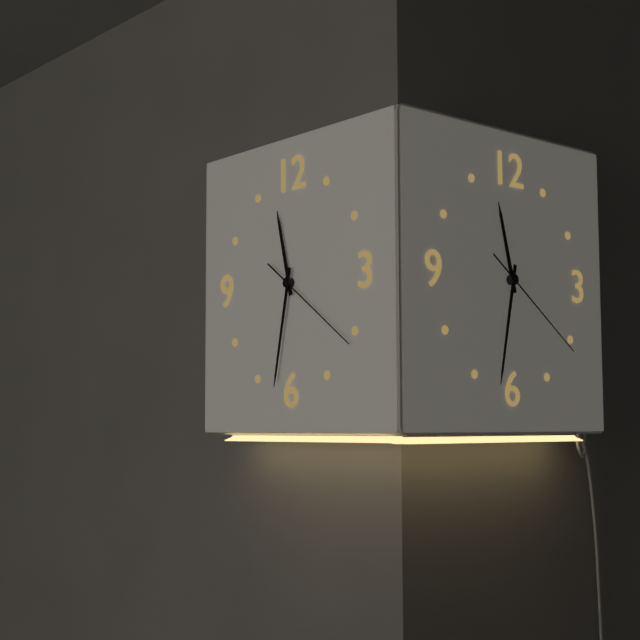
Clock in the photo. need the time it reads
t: 11:32:21
